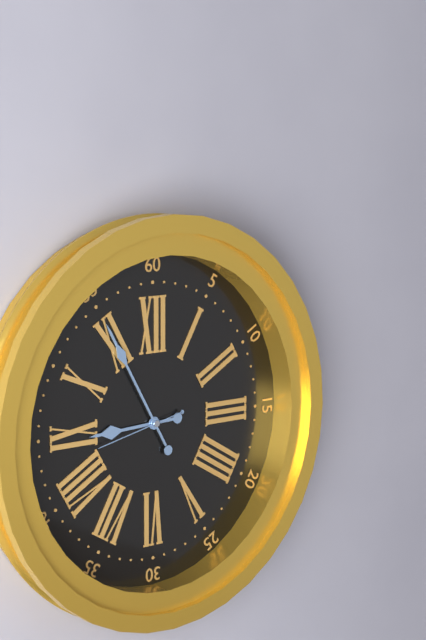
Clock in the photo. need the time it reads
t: 8:55:43
